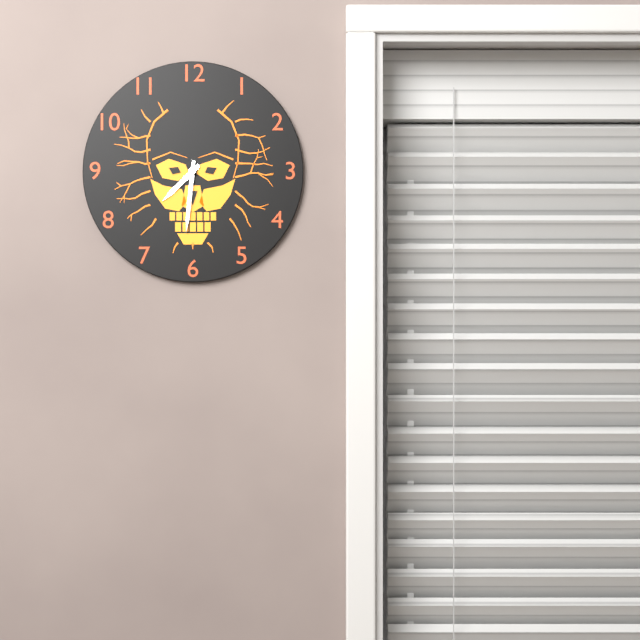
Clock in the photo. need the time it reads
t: 7:31
